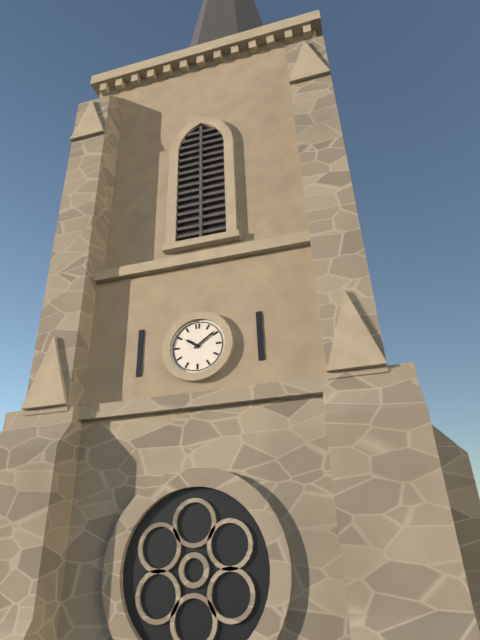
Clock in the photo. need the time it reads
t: 10:09
